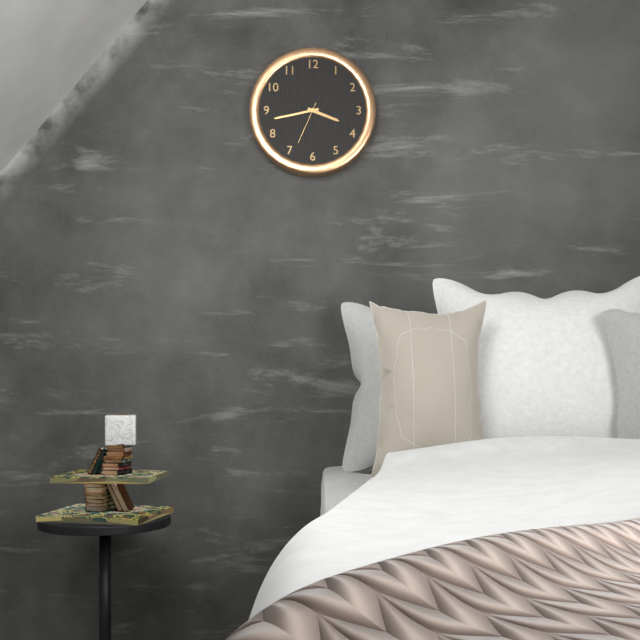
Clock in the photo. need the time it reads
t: 3:43
